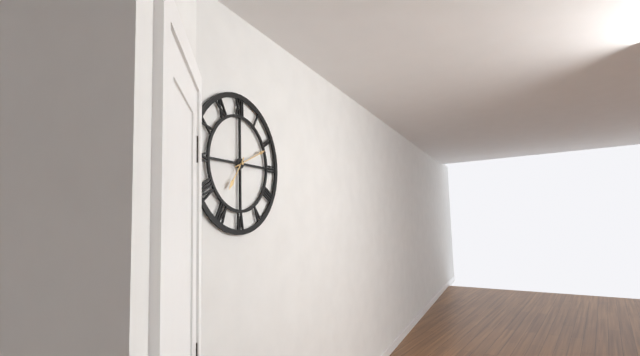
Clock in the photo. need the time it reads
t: 7:11
